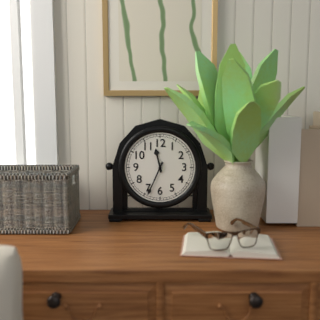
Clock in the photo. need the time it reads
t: 11:34
